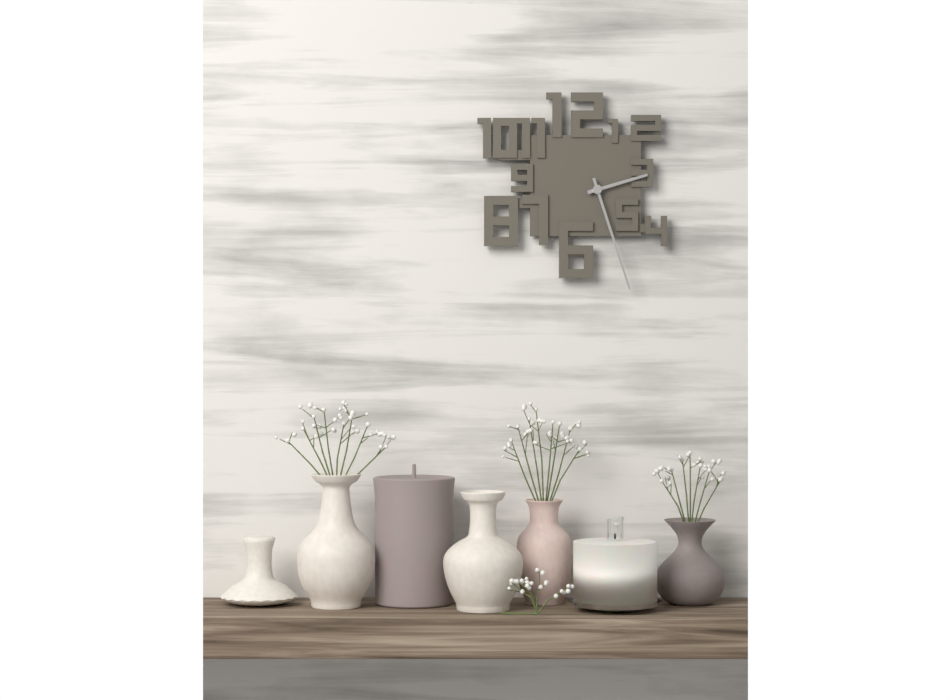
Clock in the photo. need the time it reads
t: 2:27
